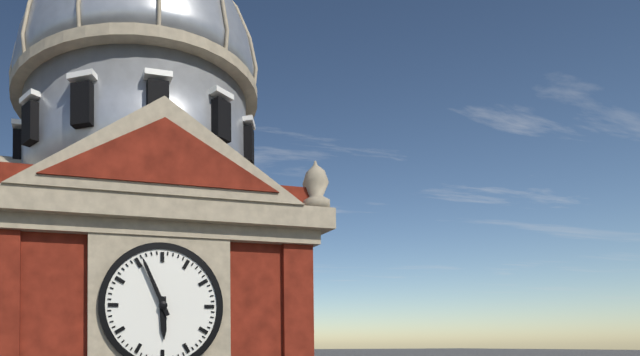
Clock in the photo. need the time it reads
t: 5:56
